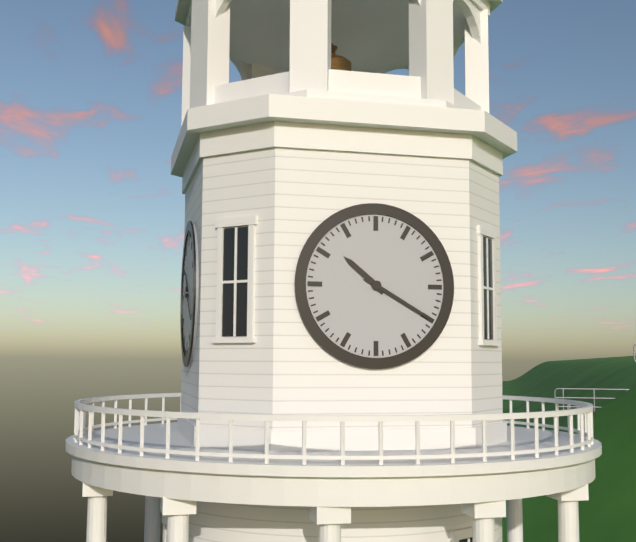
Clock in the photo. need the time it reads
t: 10:20
